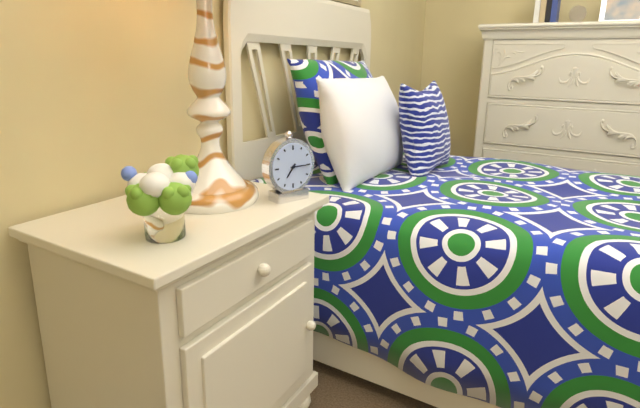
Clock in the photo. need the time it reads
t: 7:15
